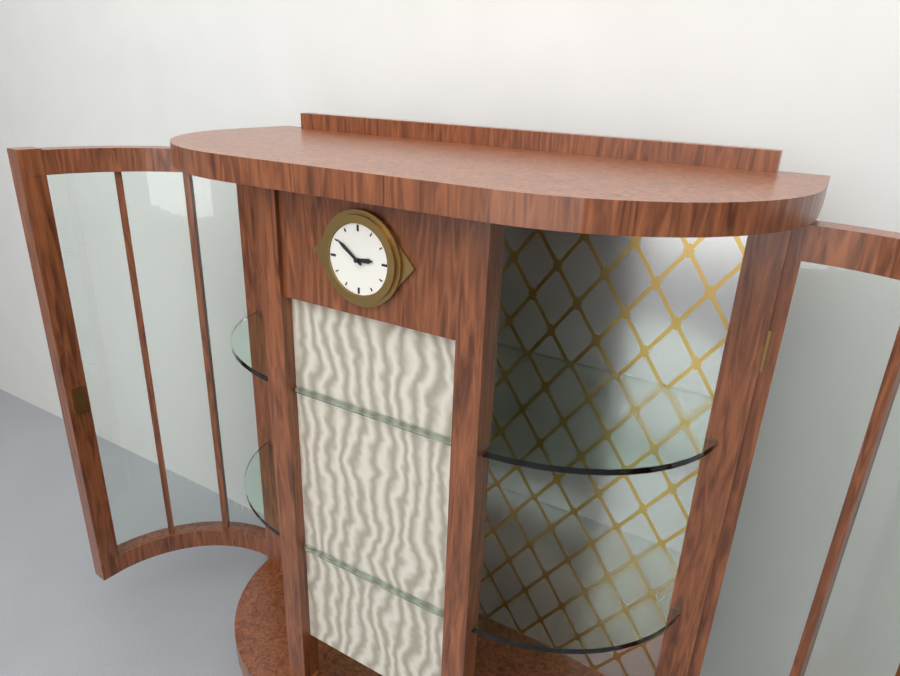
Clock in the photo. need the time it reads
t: 2:51
